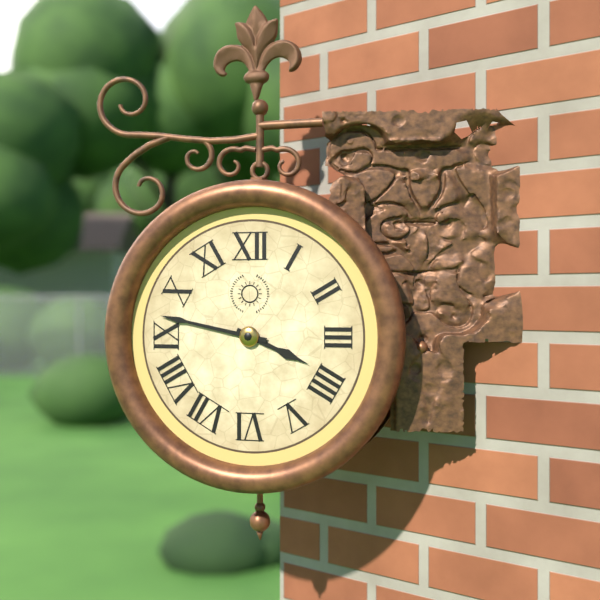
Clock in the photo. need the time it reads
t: 3:47
